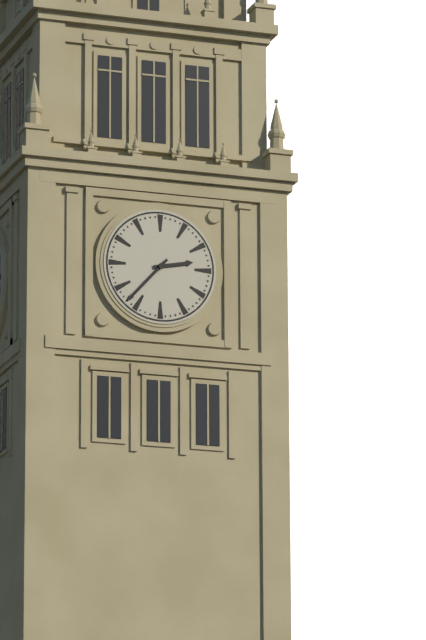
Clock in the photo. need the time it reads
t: 2:37
